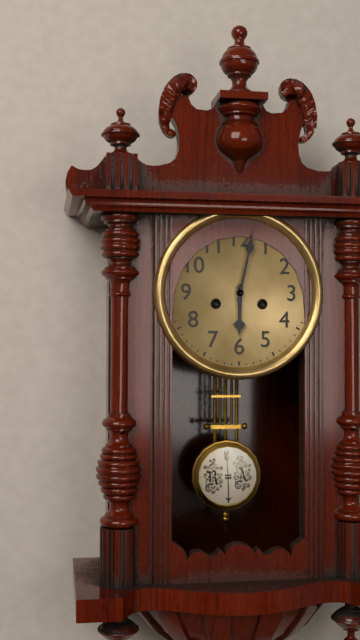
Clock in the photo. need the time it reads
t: 6:02
